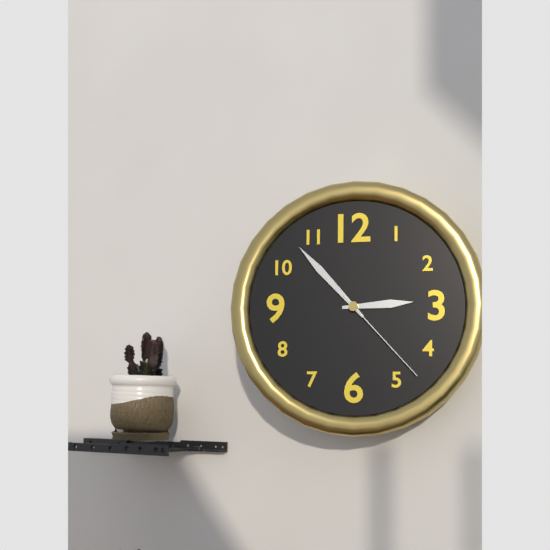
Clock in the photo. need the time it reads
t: 2:53:23
